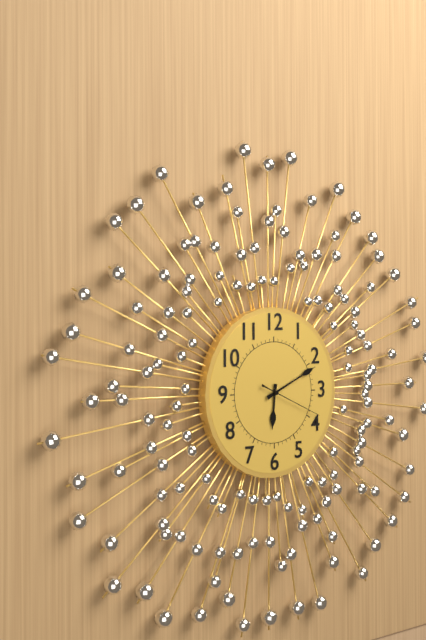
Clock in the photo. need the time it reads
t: 6:11:19
